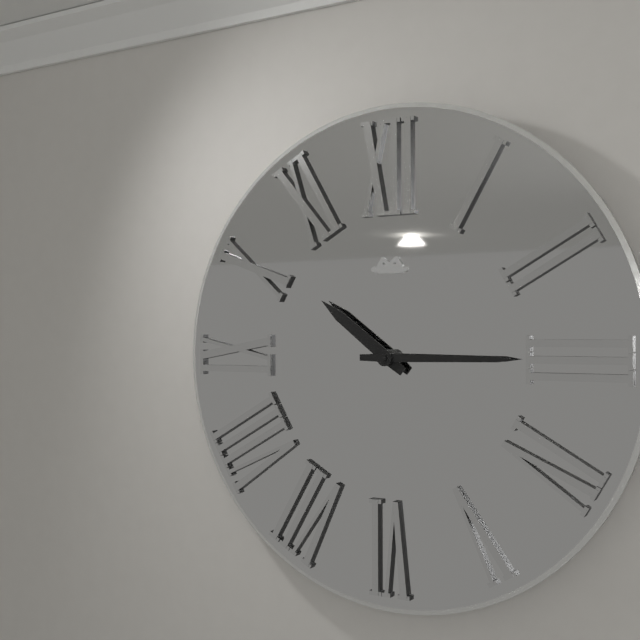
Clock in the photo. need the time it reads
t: 10:15
